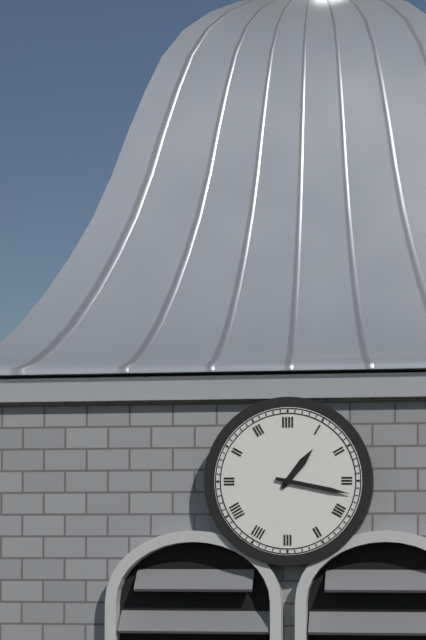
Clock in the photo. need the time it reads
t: 1:17
